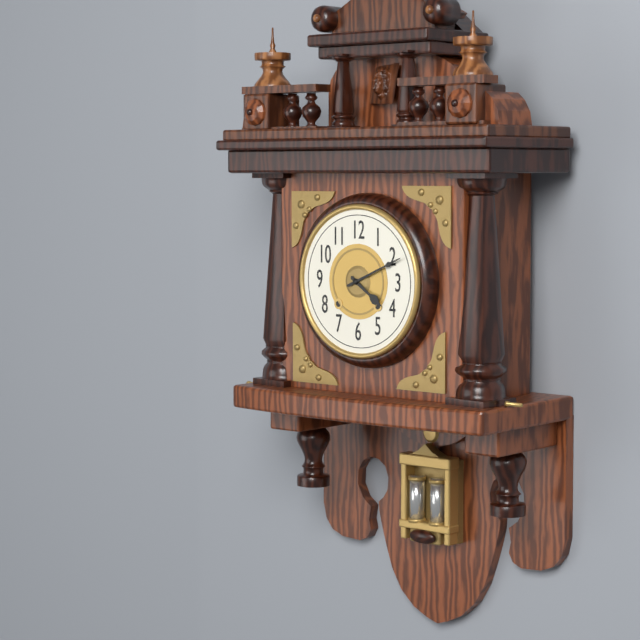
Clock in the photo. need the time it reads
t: 4:11
